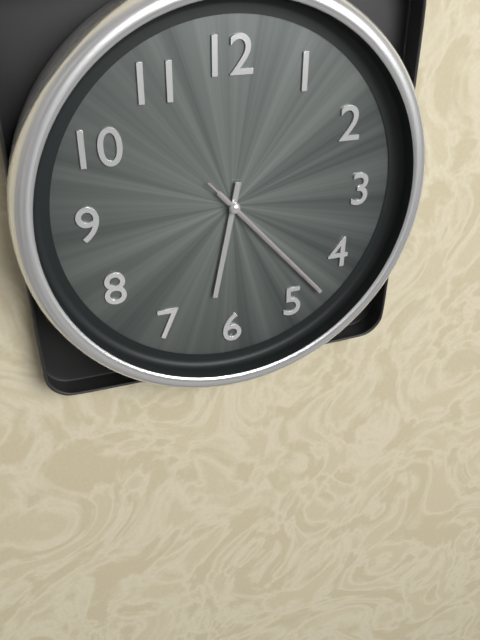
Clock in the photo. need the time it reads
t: 6:23:23
